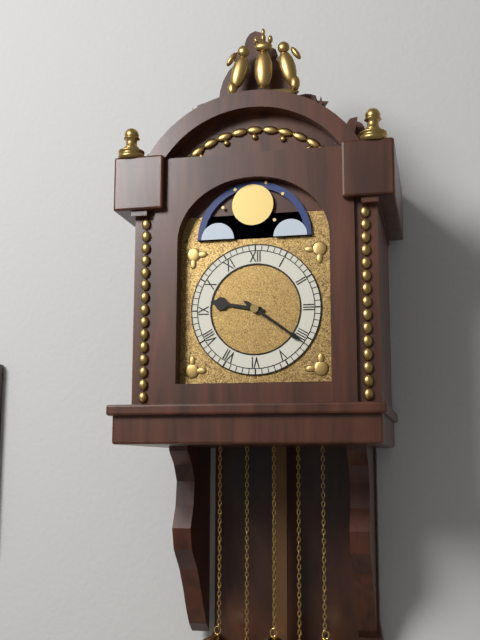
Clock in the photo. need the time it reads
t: 9:21
